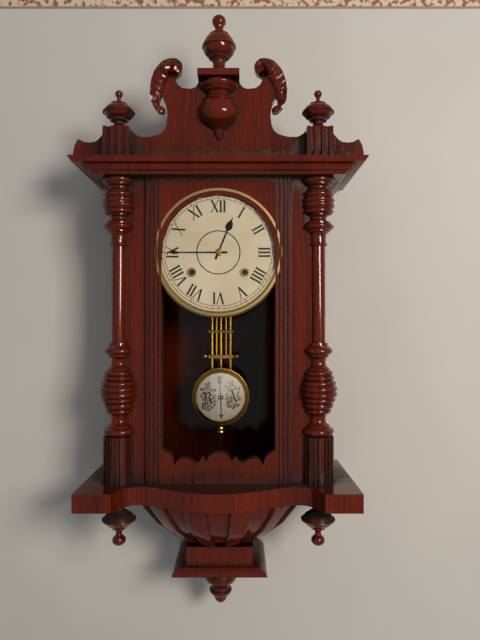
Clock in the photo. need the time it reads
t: 12:45
